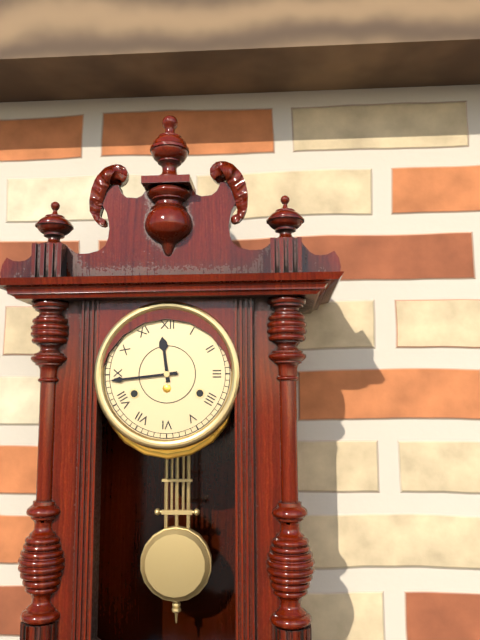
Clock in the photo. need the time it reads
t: 11:44
